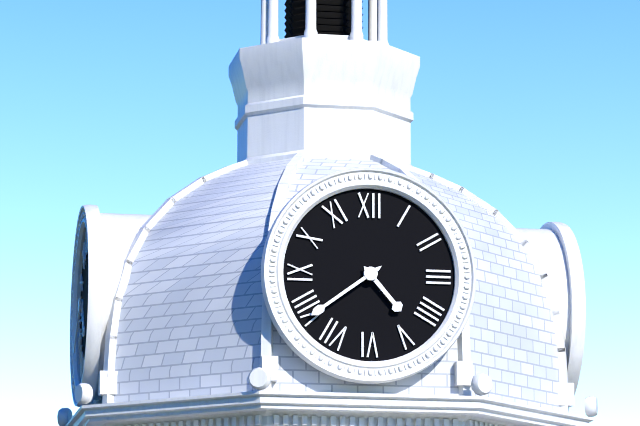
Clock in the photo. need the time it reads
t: 4:39
